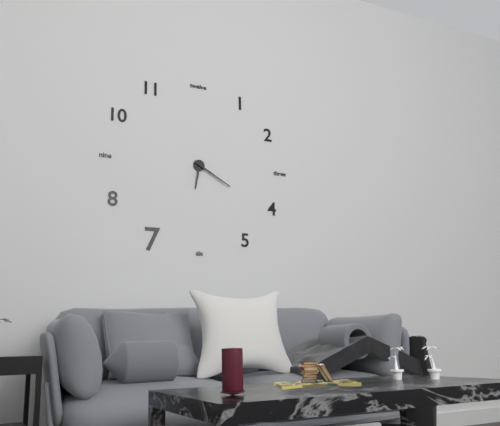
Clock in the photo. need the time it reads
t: 6:20
